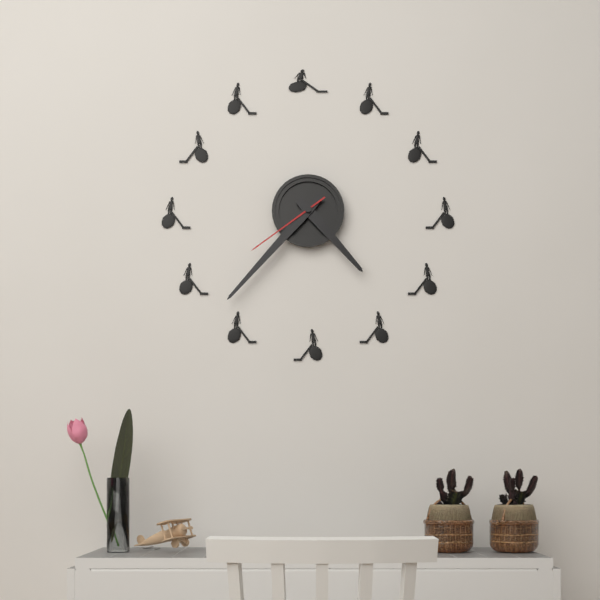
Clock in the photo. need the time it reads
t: 4:37:39
